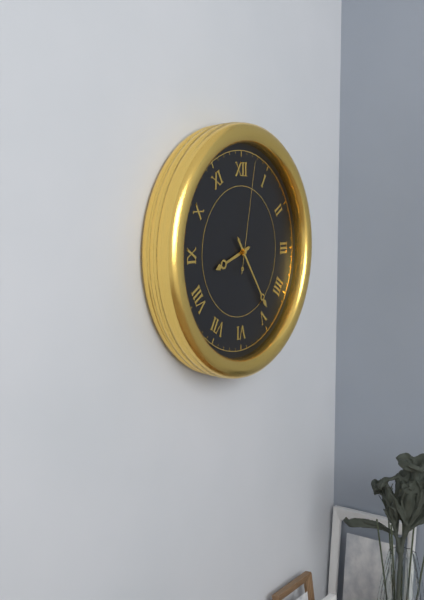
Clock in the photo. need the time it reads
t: 8:24:02
